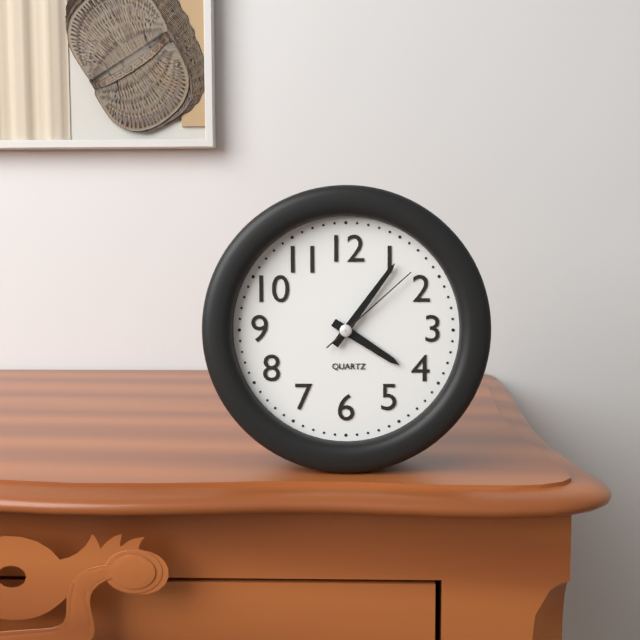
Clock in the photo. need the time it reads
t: 4:06:08
